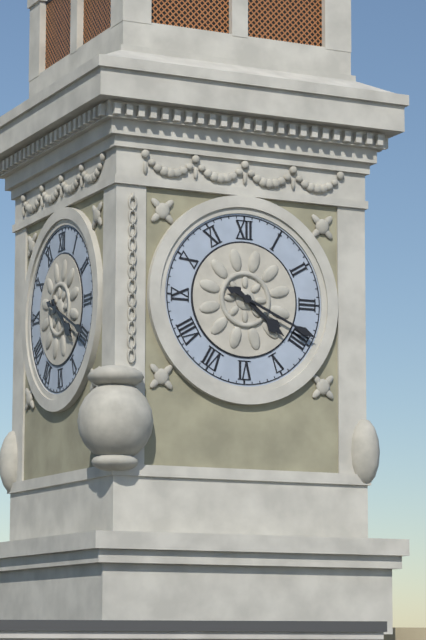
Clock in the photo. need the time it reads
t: 4:19
